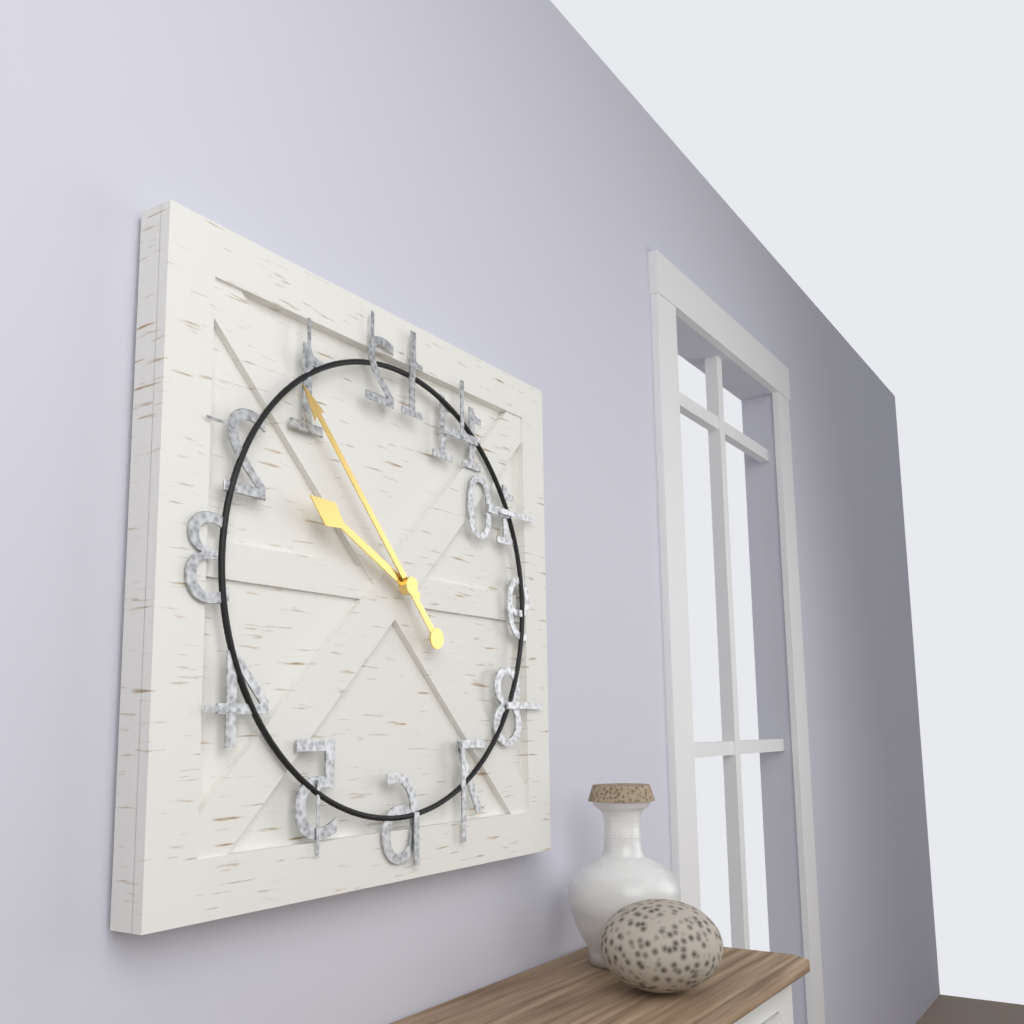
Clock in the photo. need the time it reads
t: 9:53
